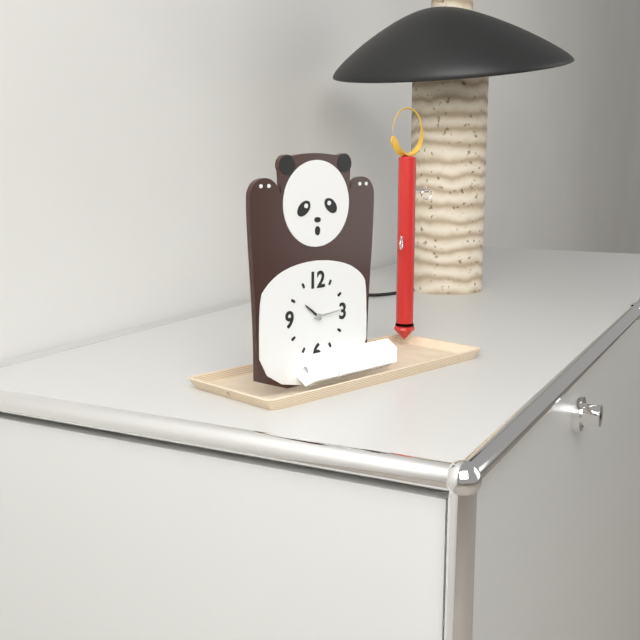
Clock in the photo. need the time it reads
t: 10:14
